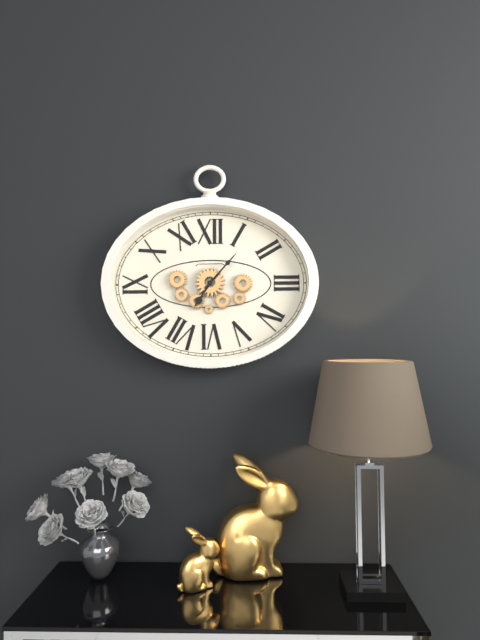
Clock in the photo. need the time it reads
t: 7:07
